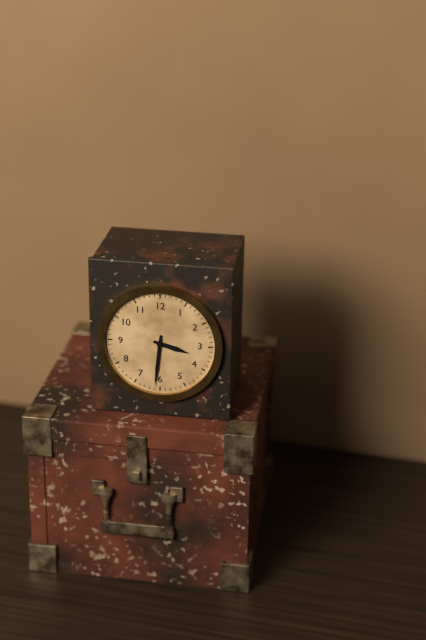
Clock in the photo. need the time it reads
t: 3:31
